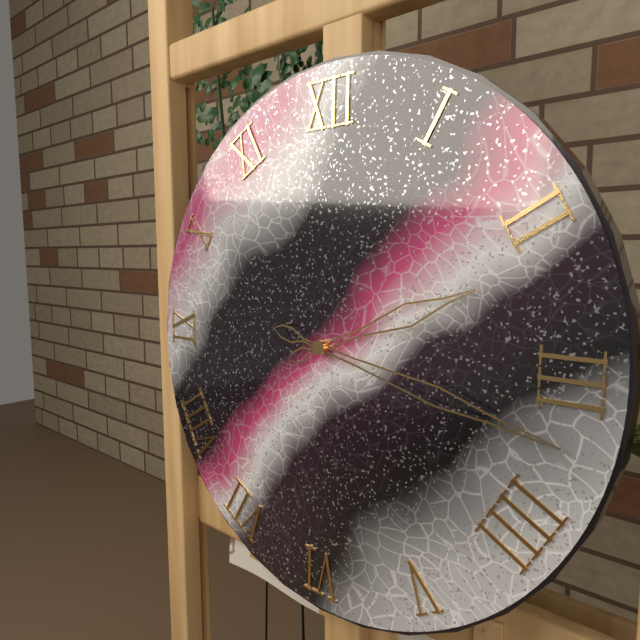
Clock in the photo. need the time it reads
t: 2:17
